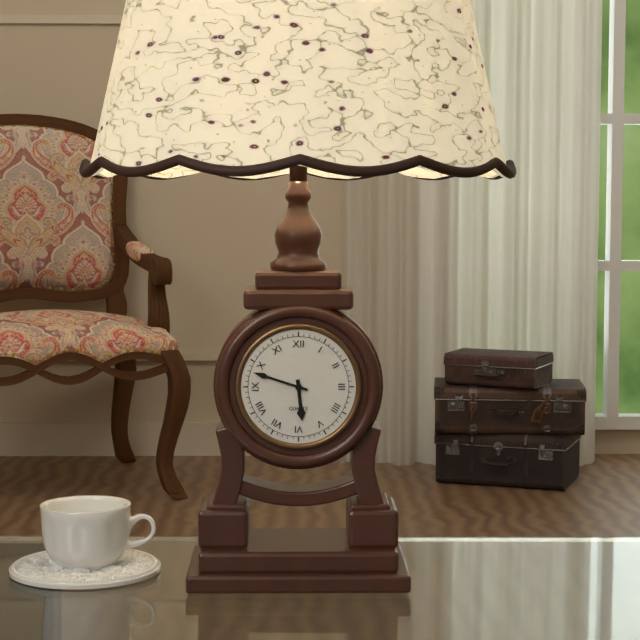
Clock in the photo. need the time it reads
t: 5:48
